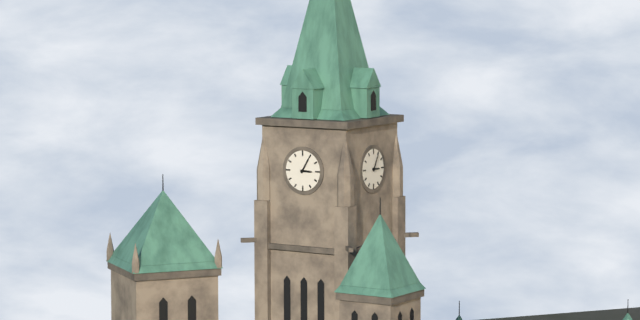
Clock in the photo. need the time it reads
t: 3:05
